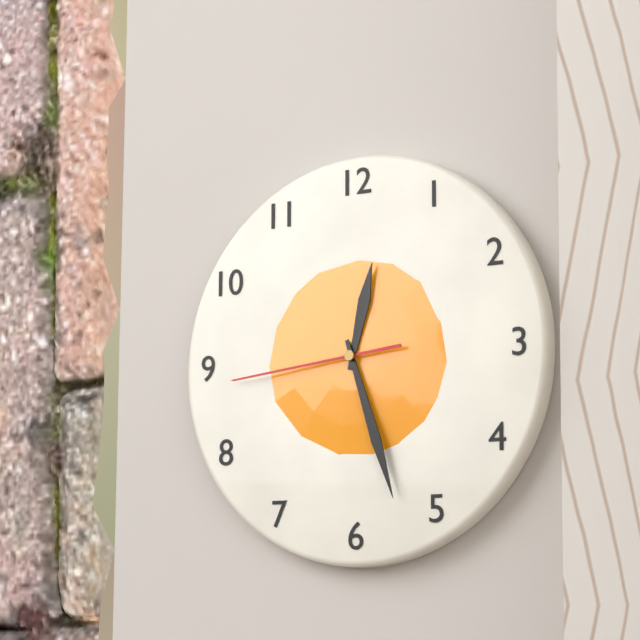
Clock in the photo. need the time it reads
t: 12:27:44
